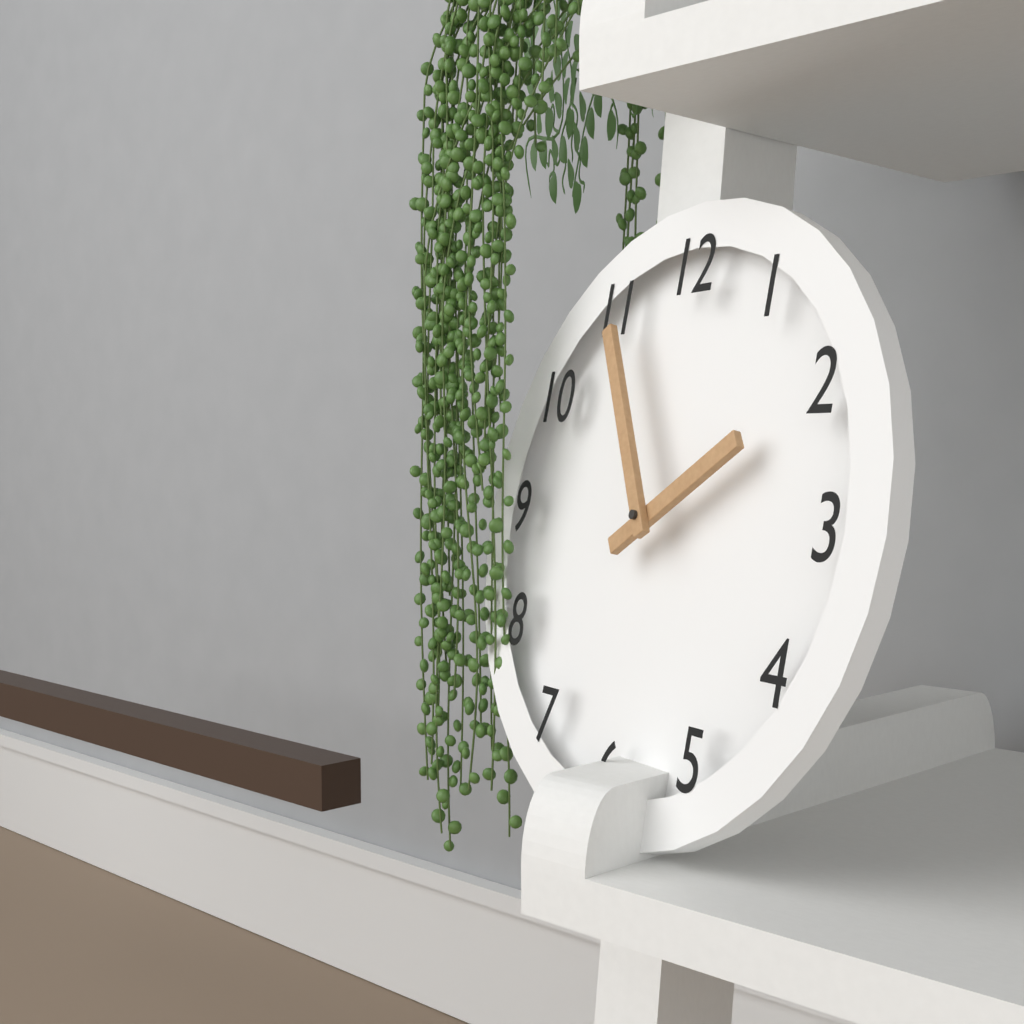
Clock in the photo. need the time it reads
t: 1:55
